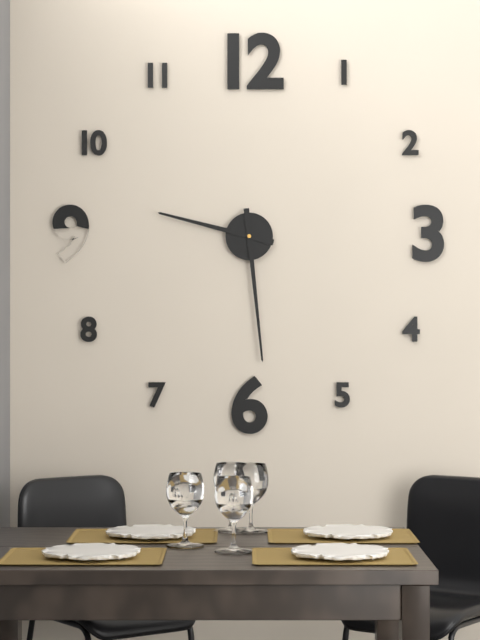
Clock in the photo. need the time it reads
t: 9:29
